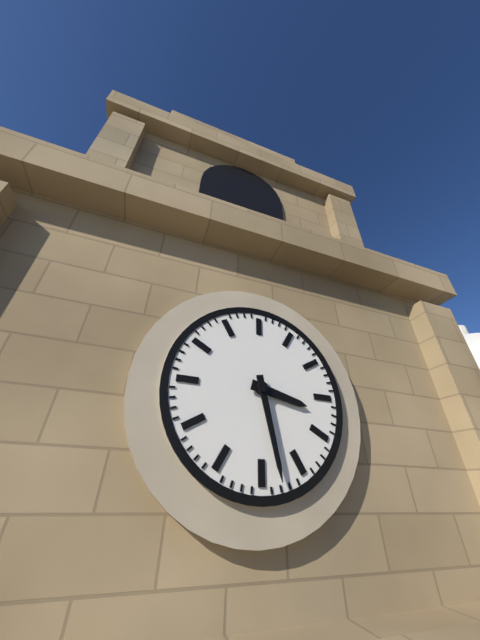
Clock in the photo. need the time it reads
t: 3:28
